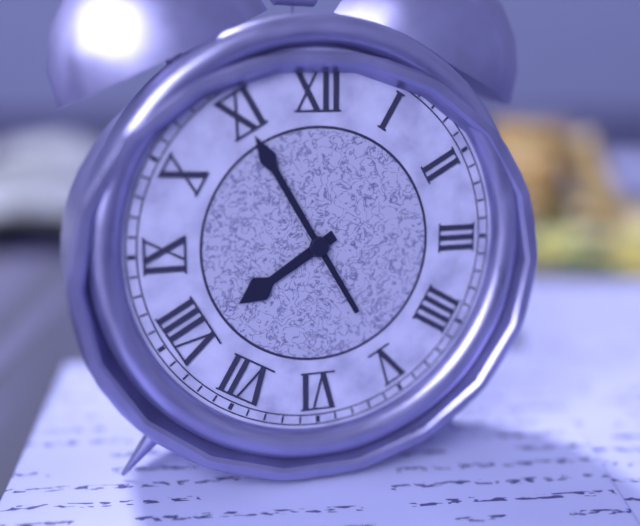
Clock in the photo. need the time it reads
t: 7:55
